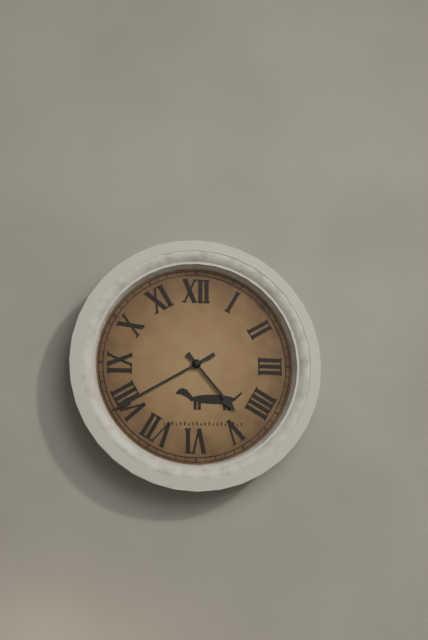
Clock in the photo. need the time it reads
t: 4:40
